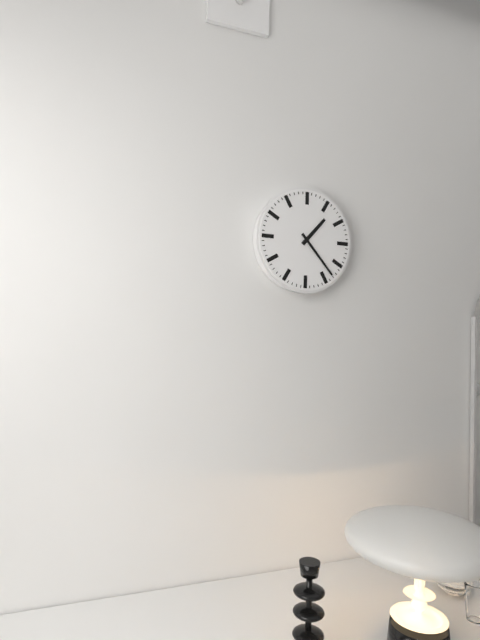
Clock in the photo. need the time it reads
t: 1:23
